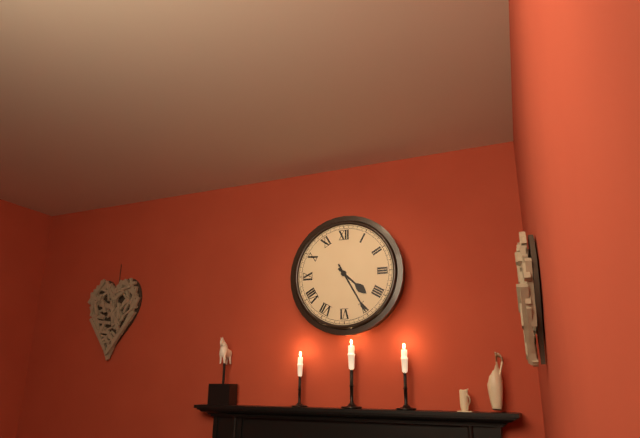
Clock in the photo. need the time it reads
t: 4:25
